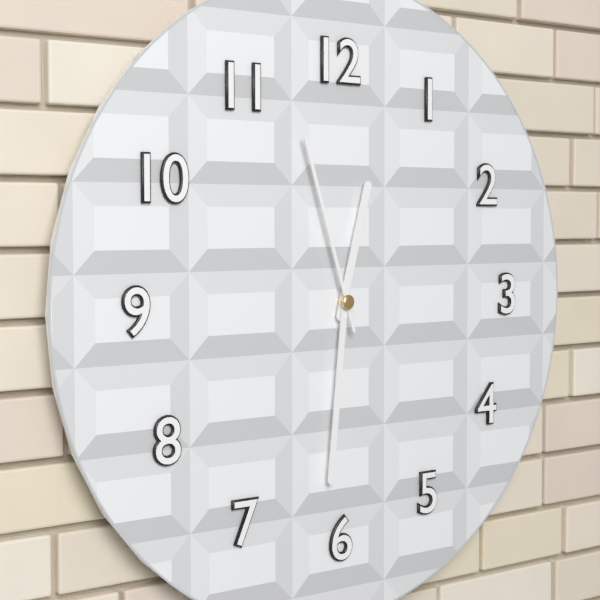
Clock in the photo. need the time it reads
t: 12:31:57
